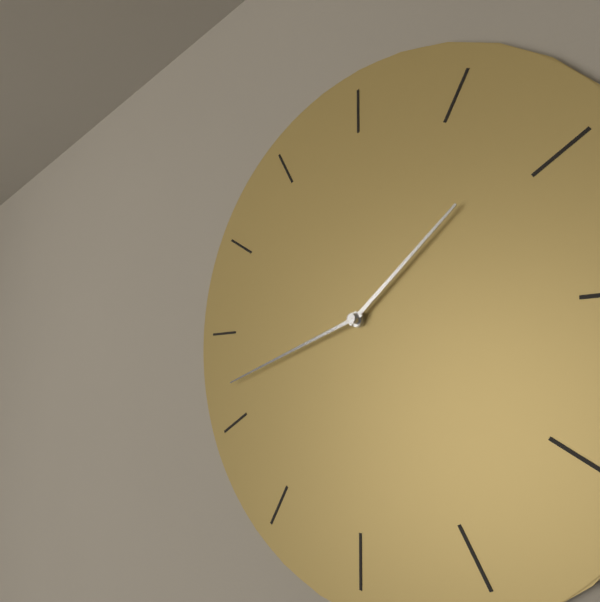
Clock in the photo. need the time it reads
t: 1:42
